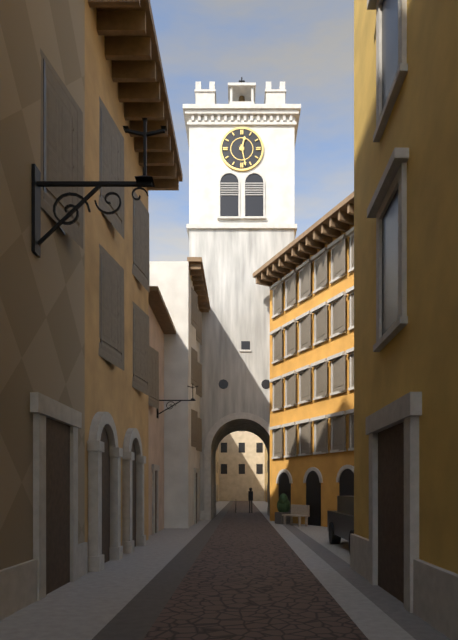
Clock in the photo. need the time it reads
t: 12:28
